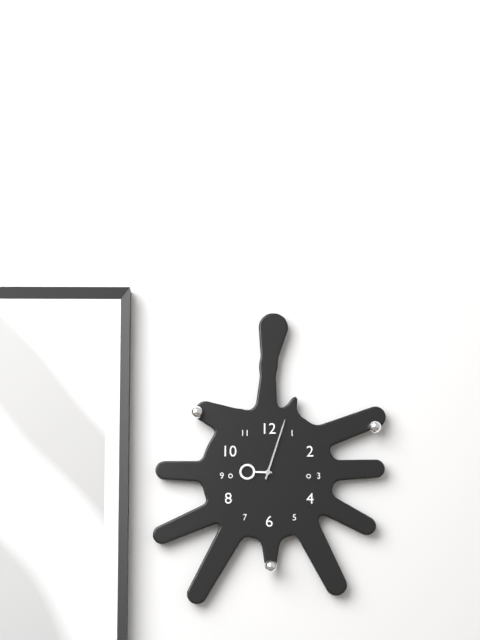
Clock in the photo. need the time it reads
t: 9:03
